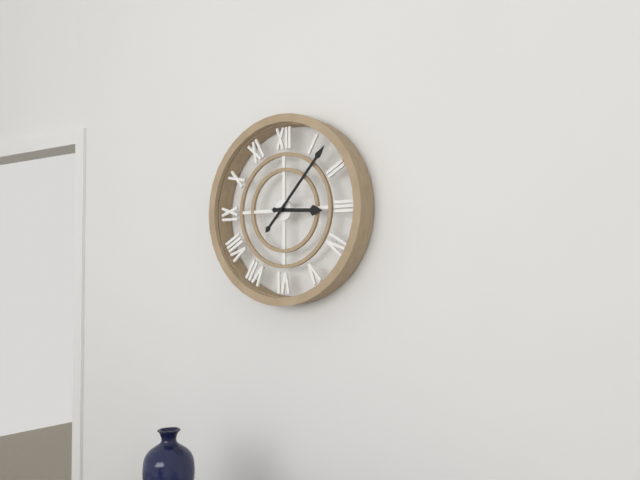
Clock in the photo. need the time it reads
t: 3:07
